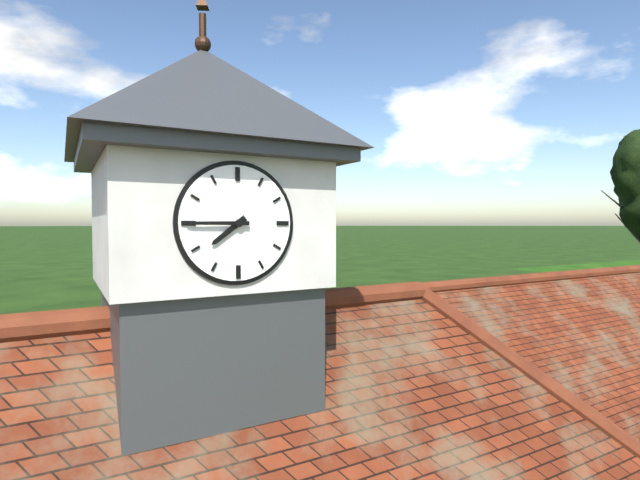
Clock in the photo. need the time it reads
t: 7:45
